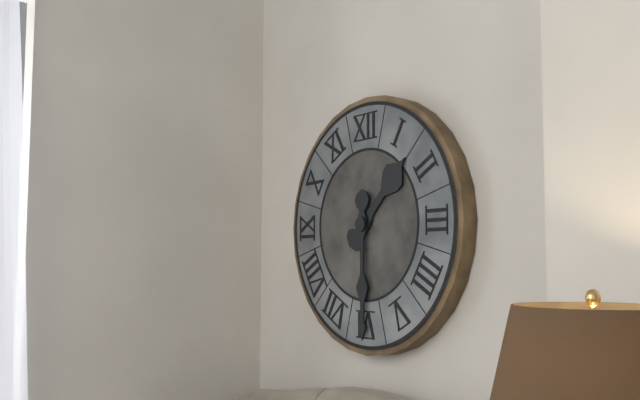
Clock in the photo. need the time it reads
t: 1:30
